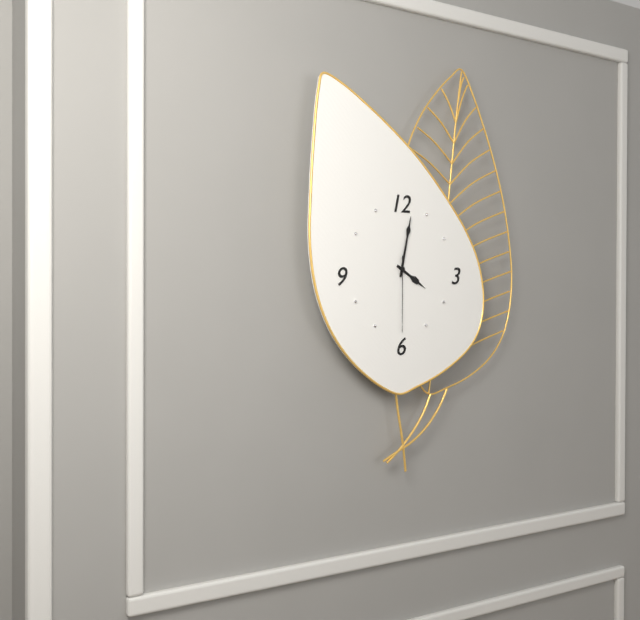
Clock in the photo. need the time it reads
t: 4:02:30
